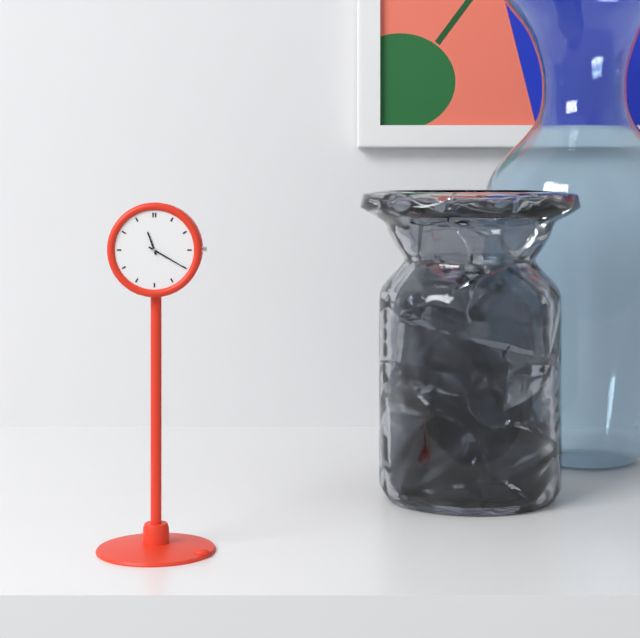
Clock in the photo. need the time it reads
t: 11:20
